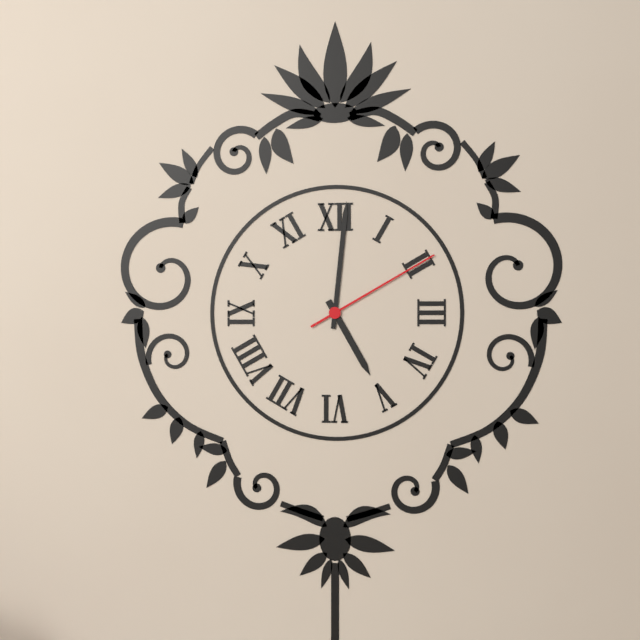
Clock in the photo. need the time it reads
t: 5:01:10
